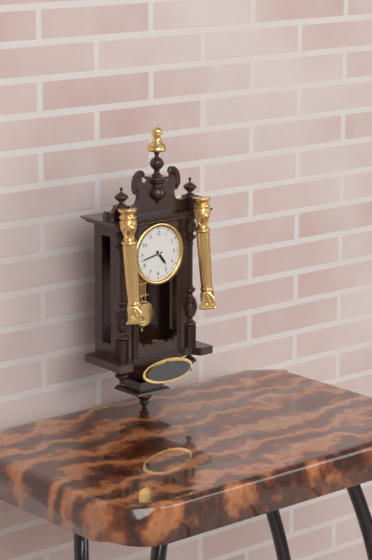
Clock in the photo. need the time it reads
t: 4:43
